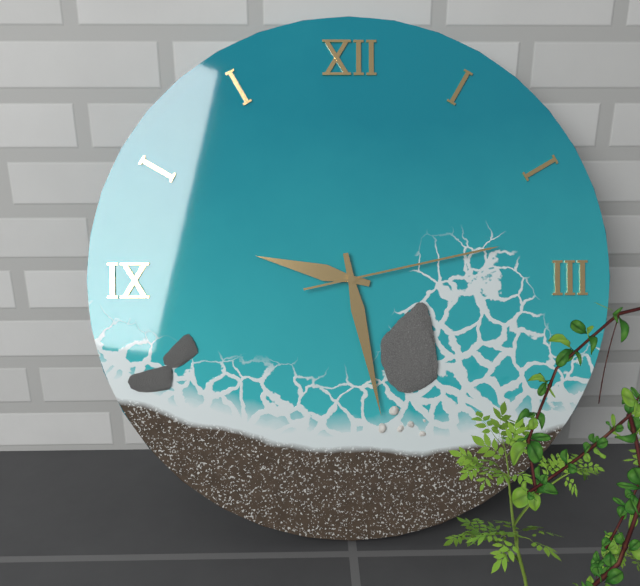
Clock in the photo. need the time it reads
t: 9:28:13
